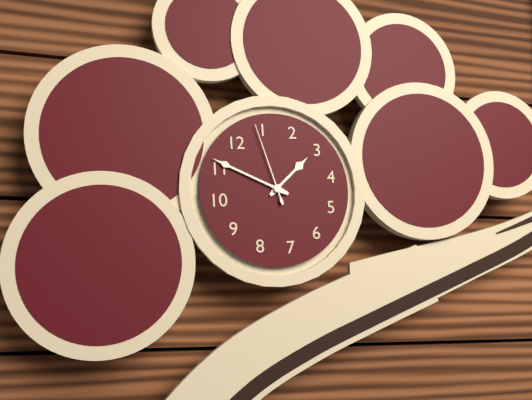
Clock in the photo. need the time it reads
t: 2:56:04
